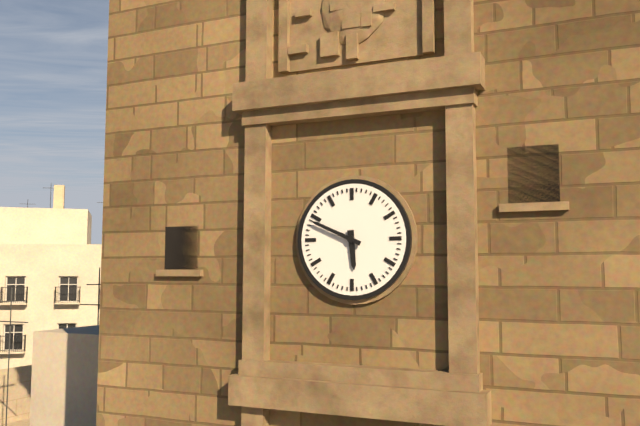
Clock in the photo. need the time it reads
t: 5:49
